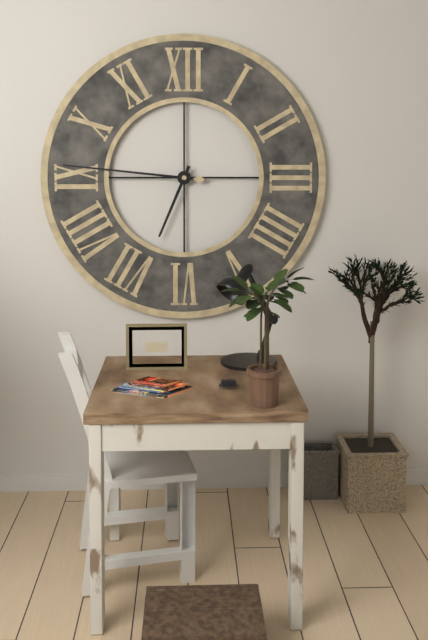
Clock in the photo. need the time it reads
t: 6:46
